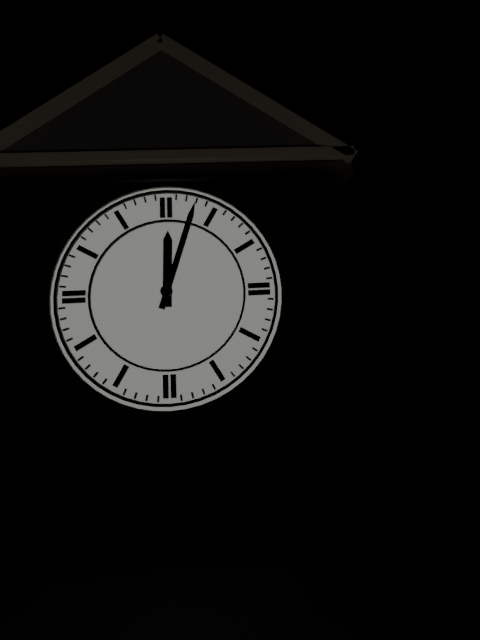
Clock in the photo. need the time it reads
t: 12:03
